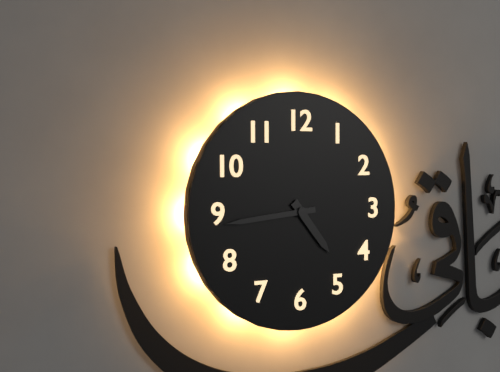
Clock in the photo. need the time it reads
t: 4:44
